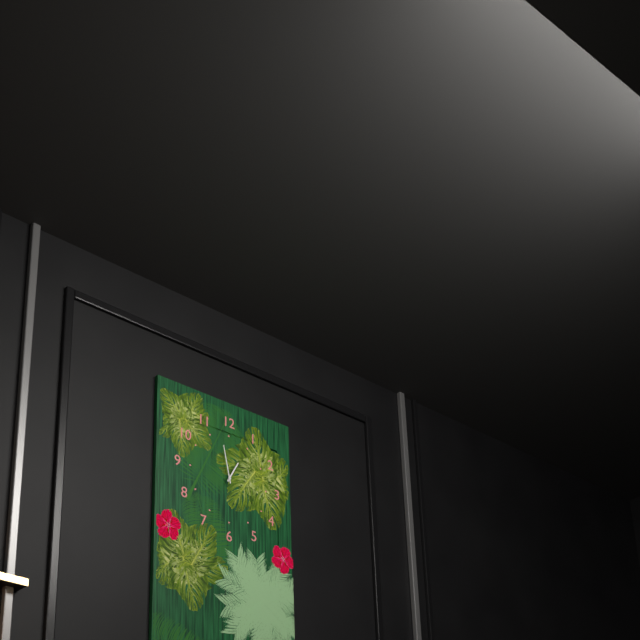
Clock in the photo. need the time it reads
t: 12:58
